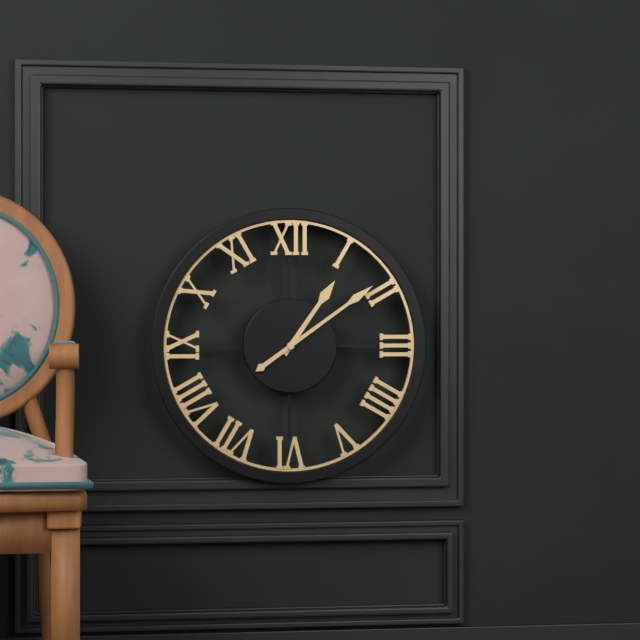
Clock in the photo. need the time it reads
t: 1:09
